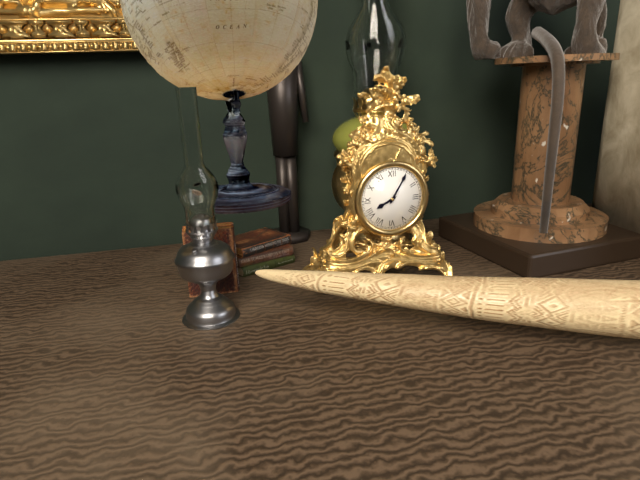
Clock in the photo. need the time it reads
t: 8:05
